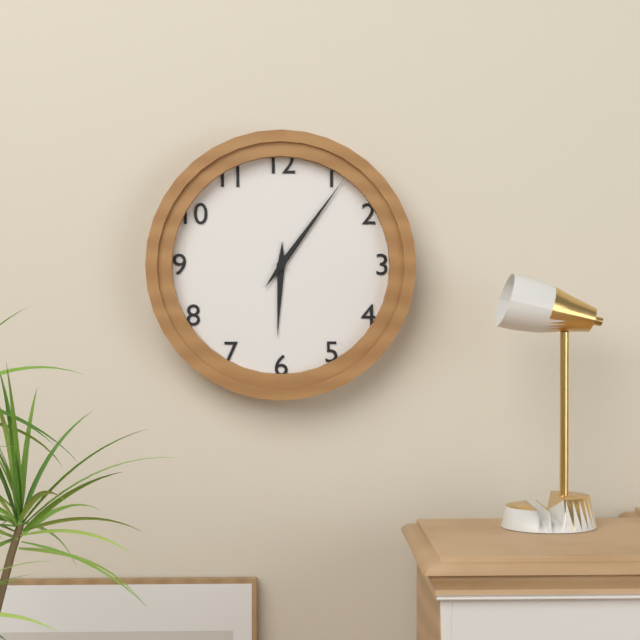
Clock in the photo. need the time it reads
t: 6:06
